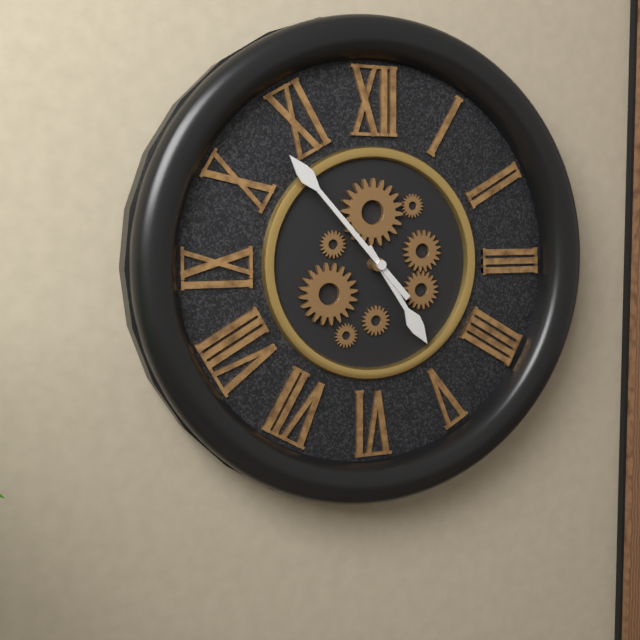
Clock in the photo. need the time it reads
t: 4:53
